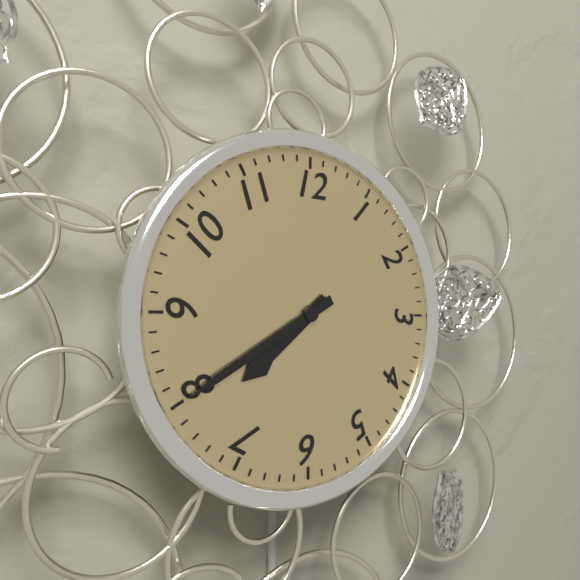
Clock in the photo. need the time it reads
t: 7:40
